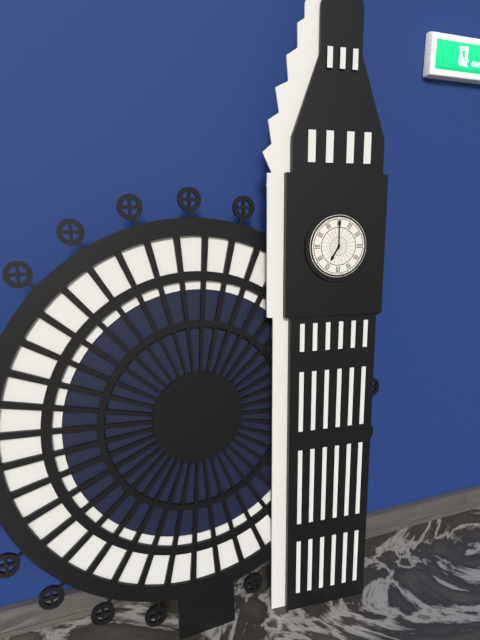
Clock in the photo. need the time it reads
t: 7:00
